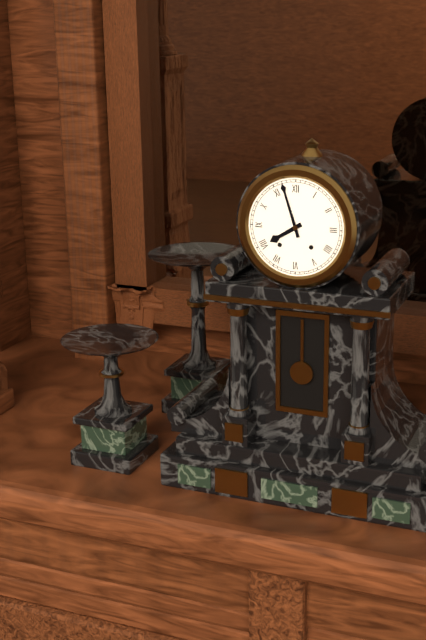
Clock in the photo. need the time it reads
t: 7:57
